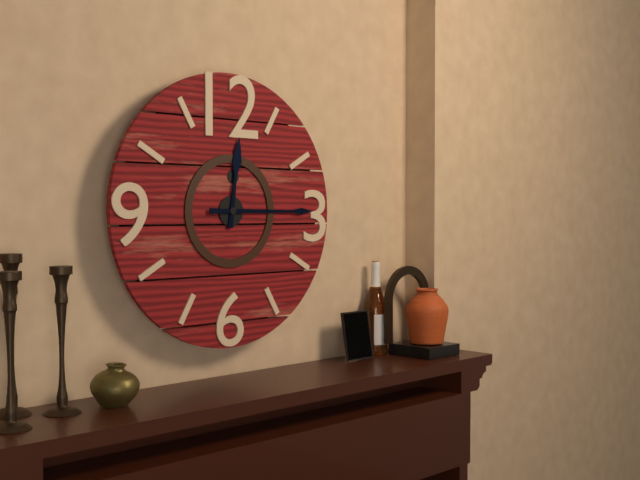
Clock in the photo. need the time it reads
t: 12:15
